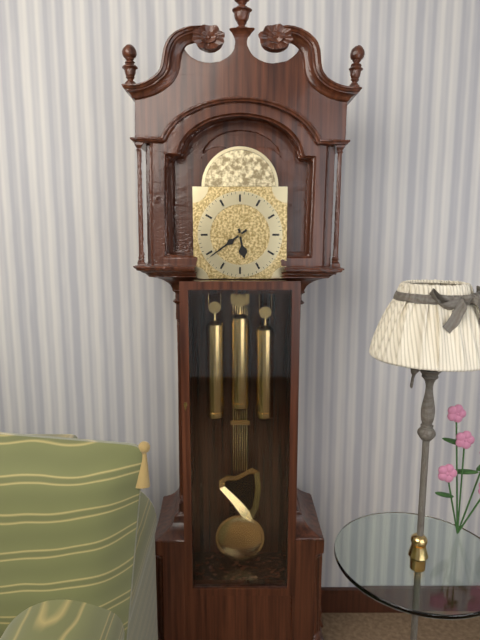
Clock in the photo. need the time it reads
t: 5:39
